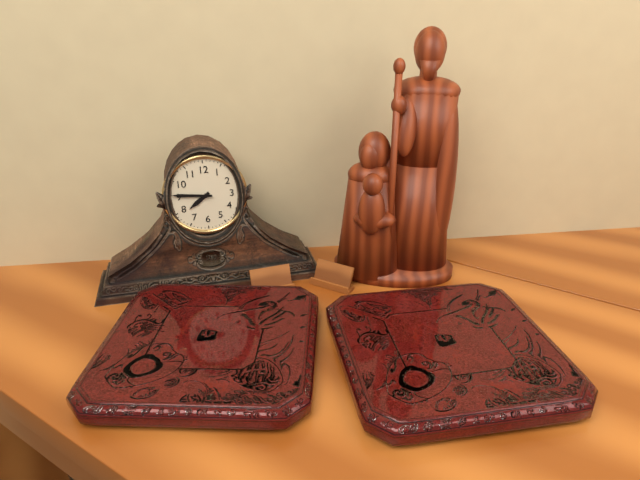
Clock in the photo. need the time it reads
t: 7:46
